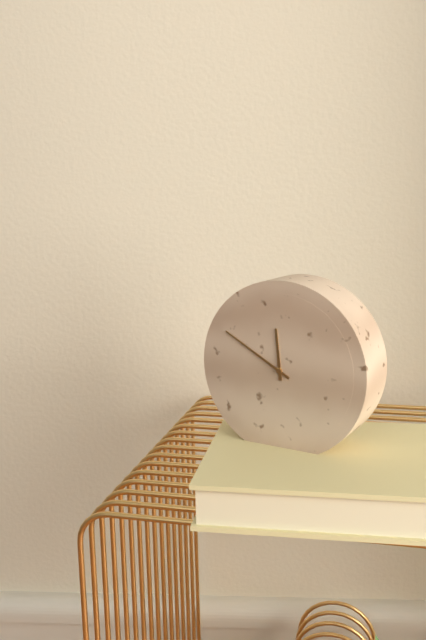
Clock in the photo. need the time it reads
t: 11:50
